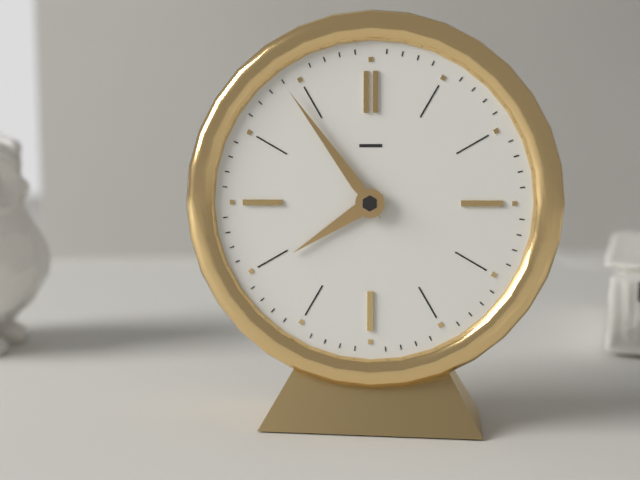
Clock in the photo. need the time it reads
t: 7:54
